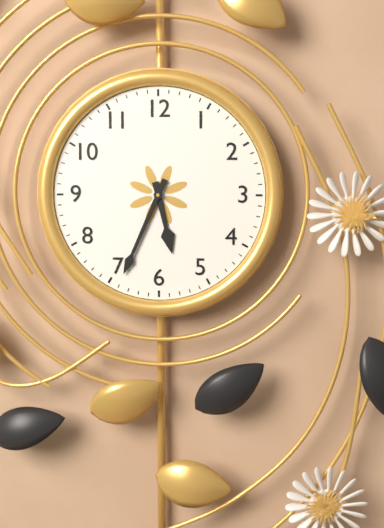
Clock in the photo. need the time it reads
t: 5:34
